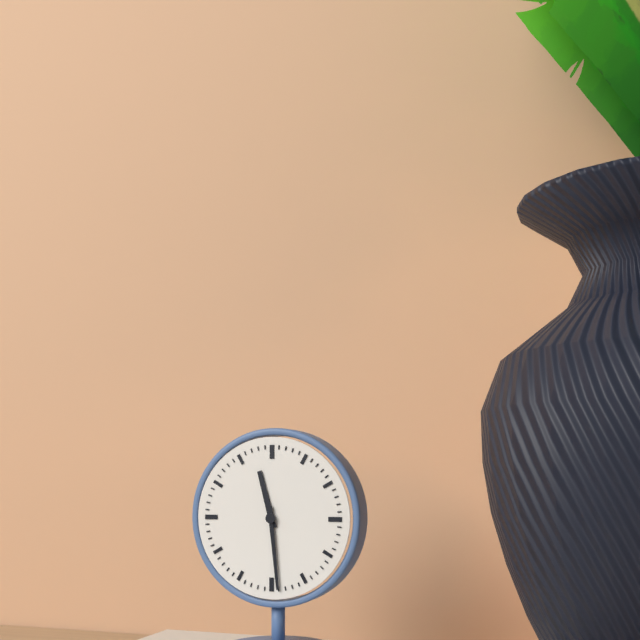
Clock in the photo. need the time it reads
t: 11:29
